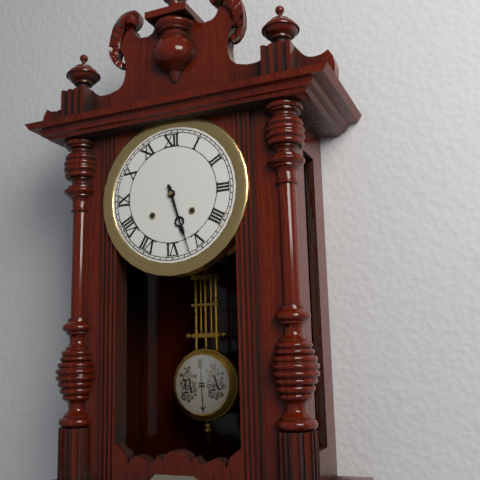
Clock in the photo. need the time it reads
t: 5:27
